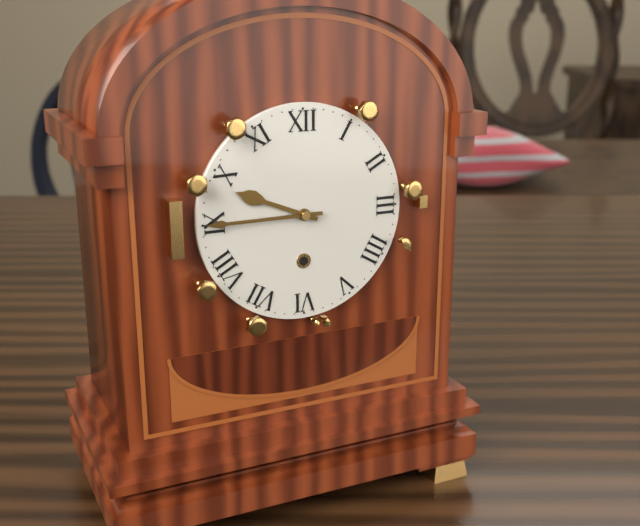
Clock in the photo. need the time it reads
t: 9:45
